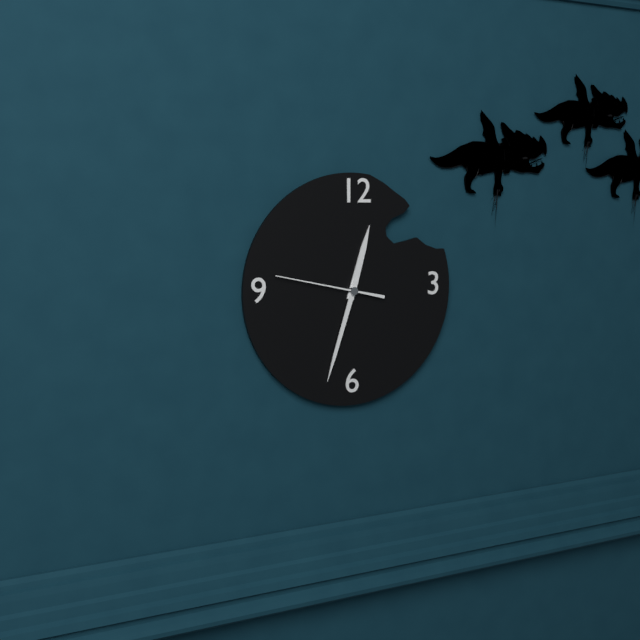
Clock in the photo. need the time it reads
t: 12:33:47
